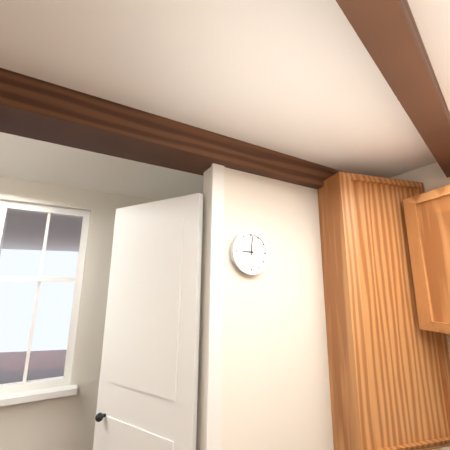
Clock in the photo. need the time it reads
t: 9:01
